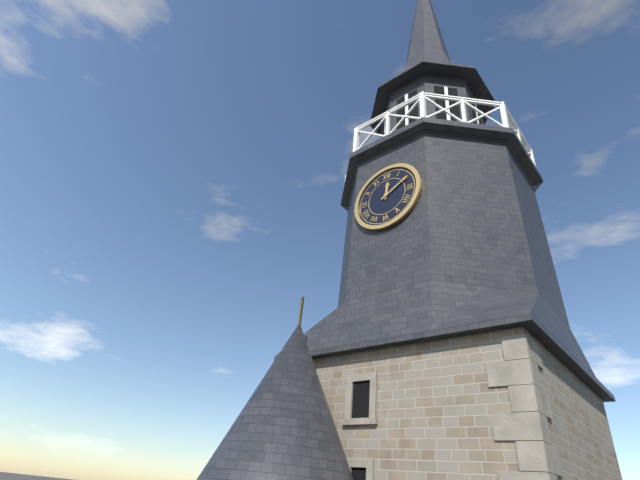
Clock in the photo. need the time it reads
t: 12:10
